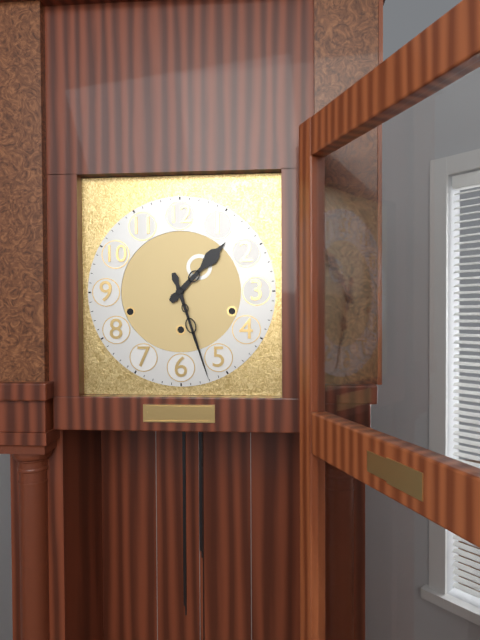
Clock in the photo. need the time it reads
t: 1:27
